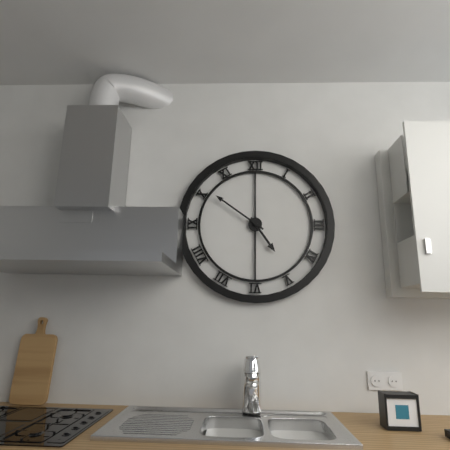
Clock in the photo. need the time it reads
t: 4:51
